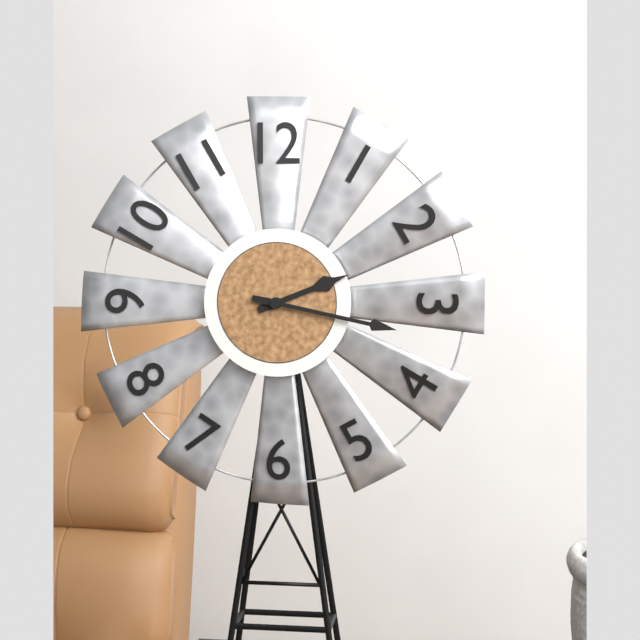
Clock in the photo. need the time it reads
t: 2:17
